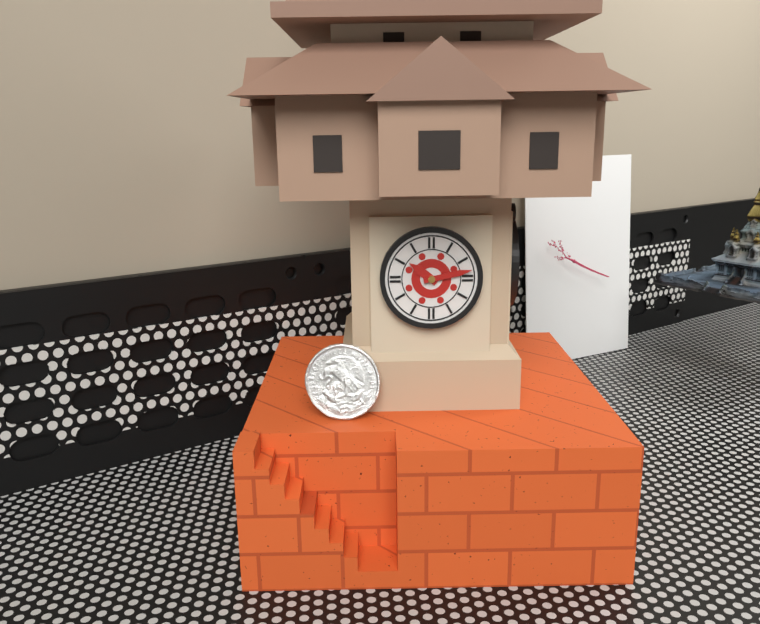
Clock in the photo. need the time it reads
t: 10:13
